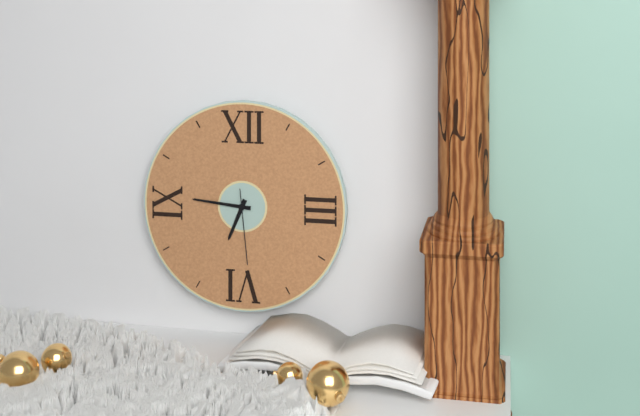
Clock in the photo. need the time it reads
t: 6:46:29
